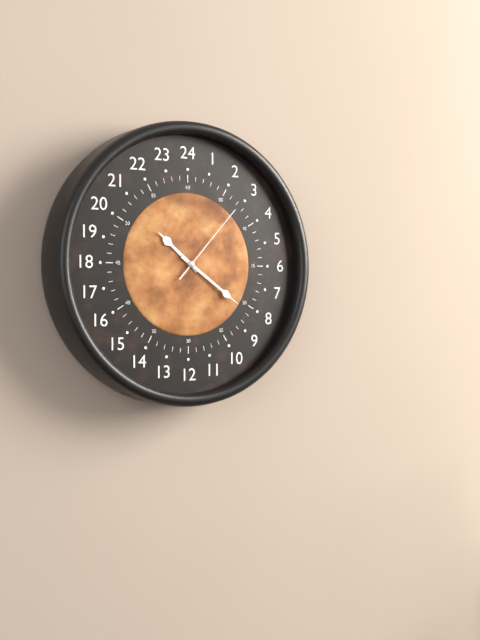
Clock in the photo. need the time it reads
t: 10:21:07
